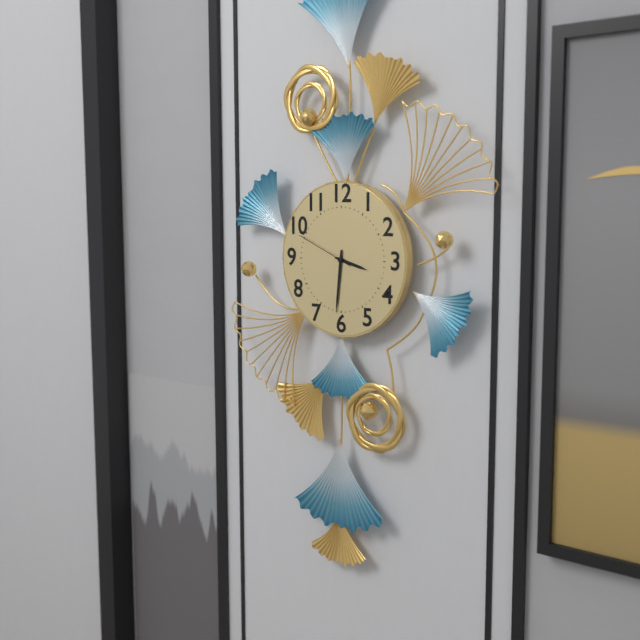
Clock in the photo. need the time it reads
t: 3:31:49
